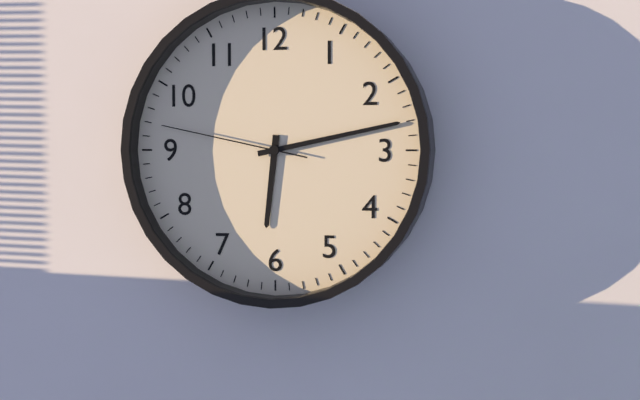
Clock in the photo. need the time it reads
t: 6:13:47
